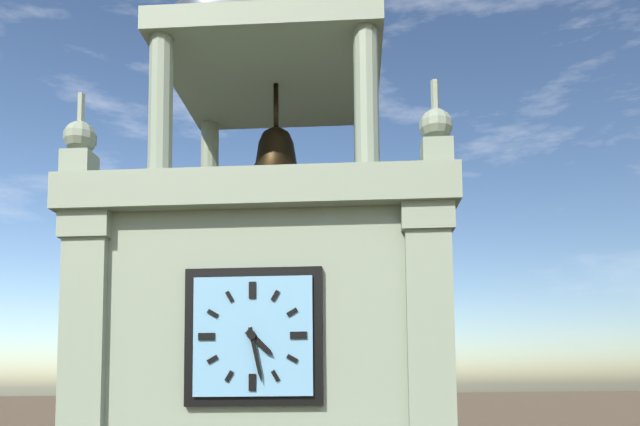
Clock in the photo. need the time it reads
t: 4:28
